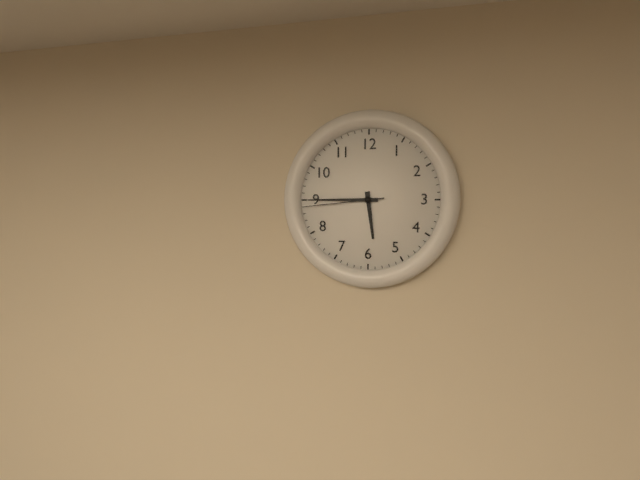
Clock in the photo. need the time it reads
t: 5:45:44
